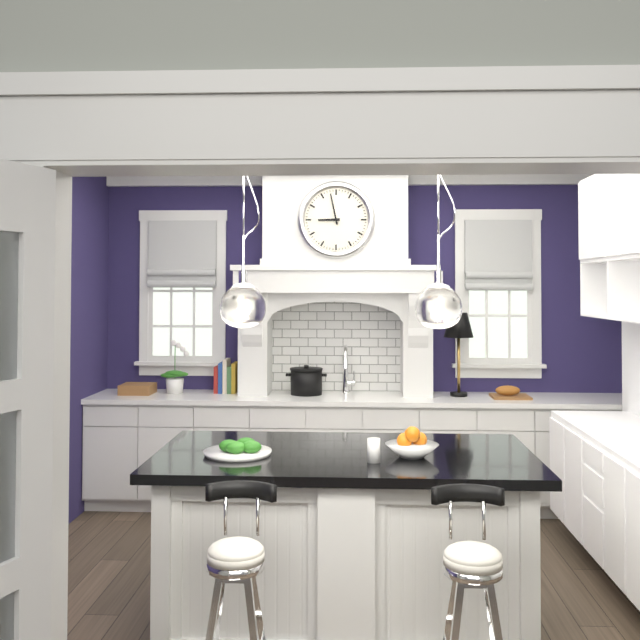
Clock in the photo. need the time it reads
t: 8:58
